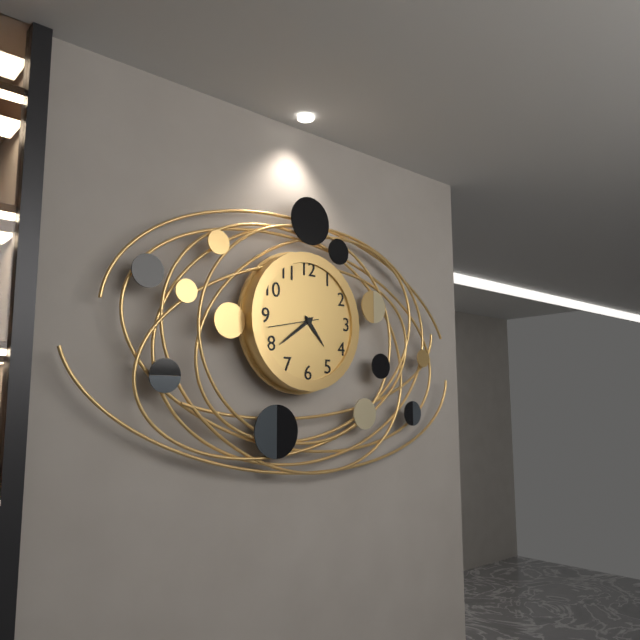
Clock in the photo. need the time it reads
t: 4:39:43
